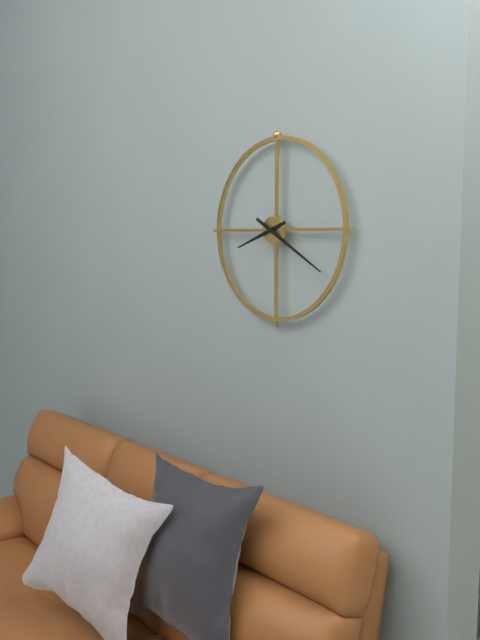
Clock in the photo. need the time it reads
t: 8:20
